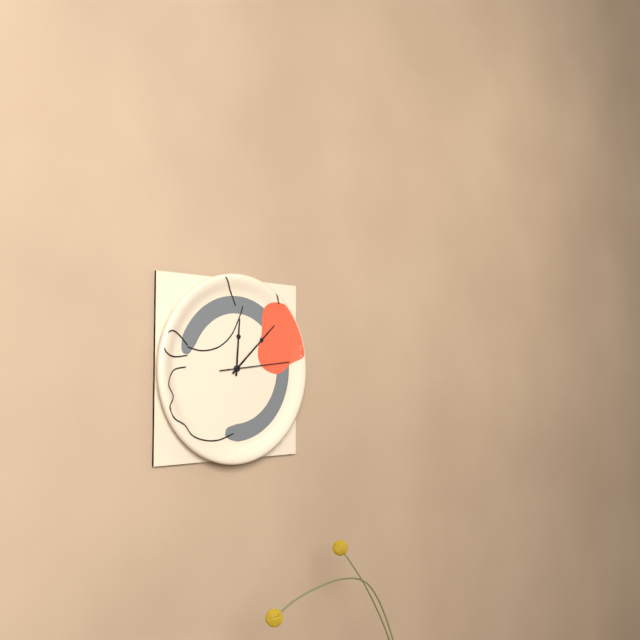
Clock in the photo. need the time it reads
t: 12:08:14
